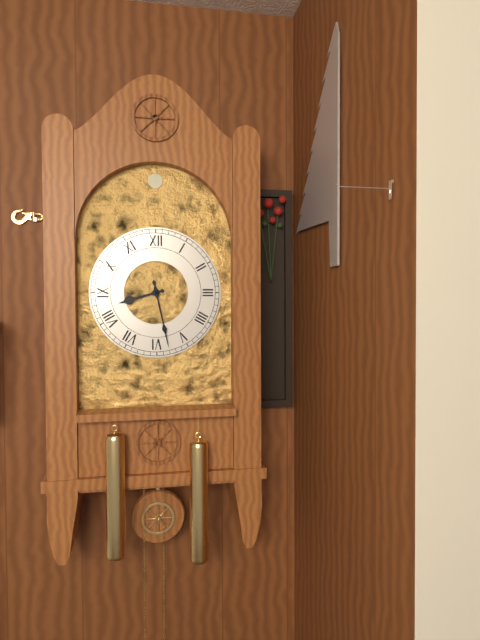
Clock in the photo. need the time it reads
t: 8:28
